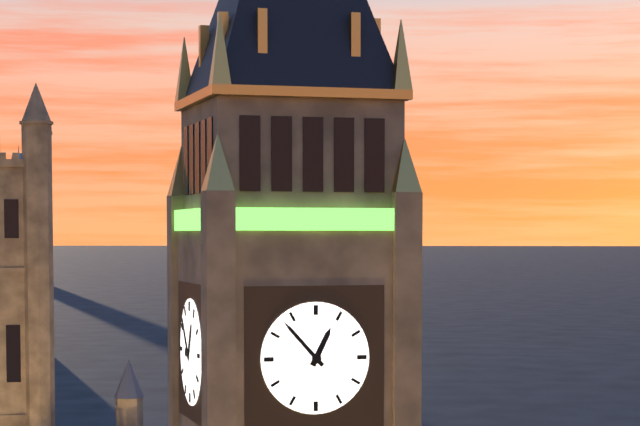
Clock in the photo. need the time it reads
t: 12:53
